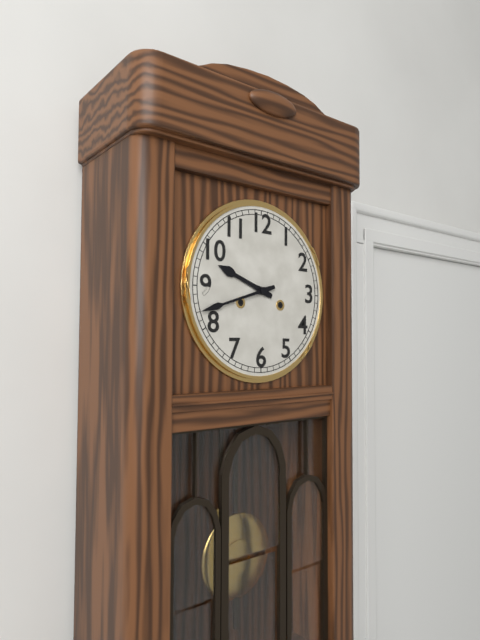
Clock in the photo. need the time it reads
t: 9:42
